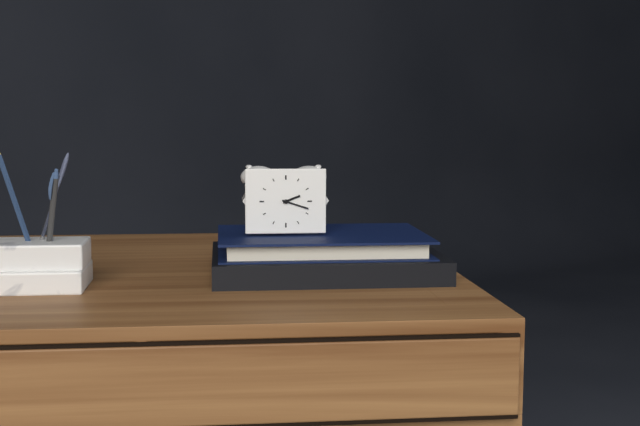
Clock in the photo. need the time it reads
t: 2:18
